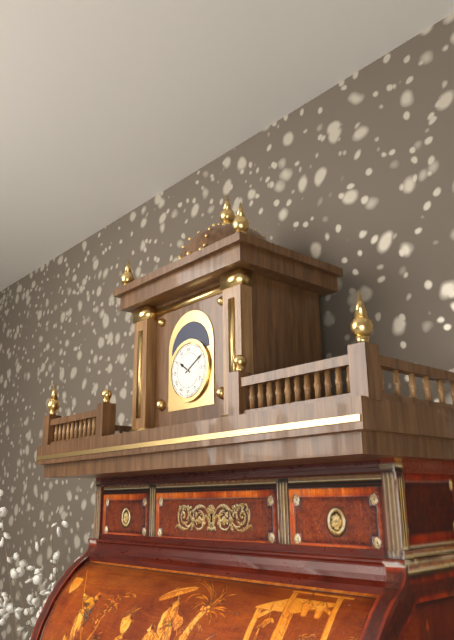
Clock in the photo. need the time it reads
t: 10:10
